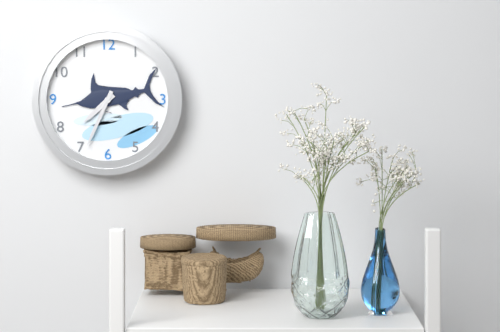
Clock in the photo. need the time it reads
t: 7:34
